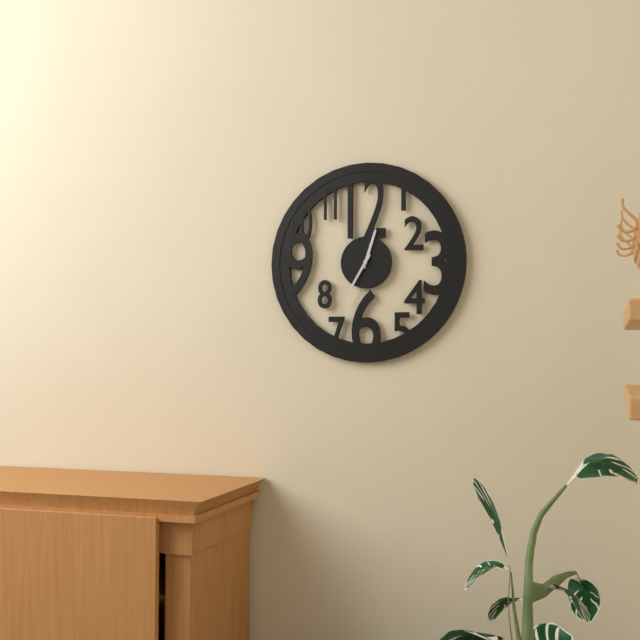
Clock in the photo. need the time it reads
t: 12:35
